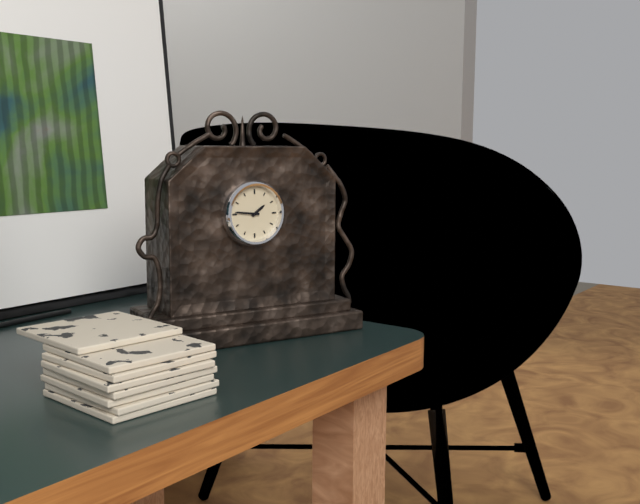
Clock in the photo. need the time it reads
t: 1:46
